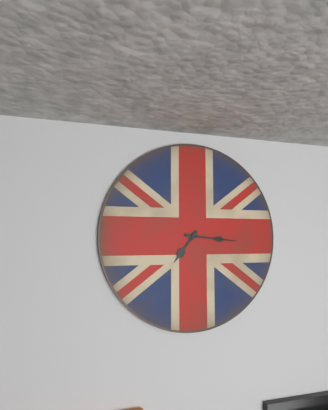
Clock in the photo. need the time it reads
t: 7:16
